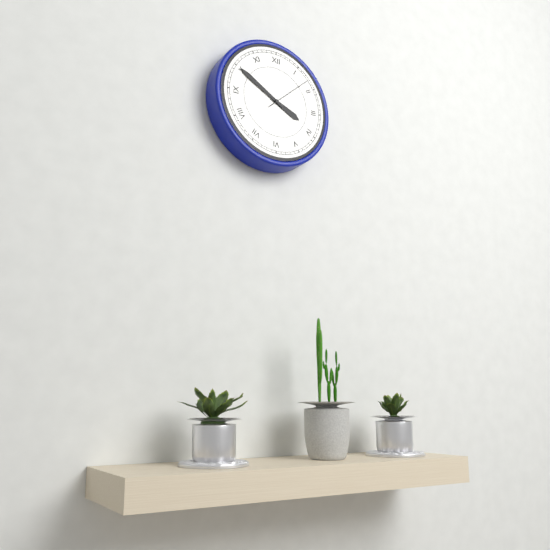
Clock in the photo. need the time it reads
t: 3:50
